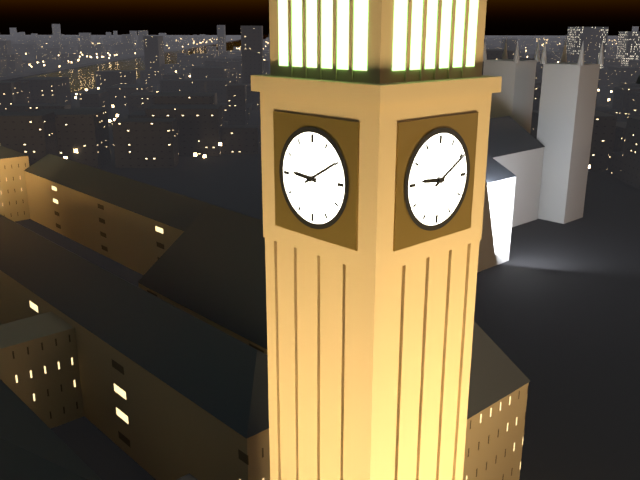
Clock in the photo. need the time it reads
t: 9:10
